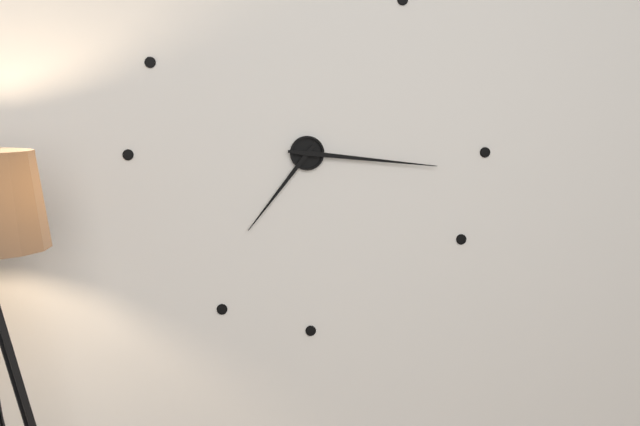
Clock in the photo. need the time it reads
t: 7:16
